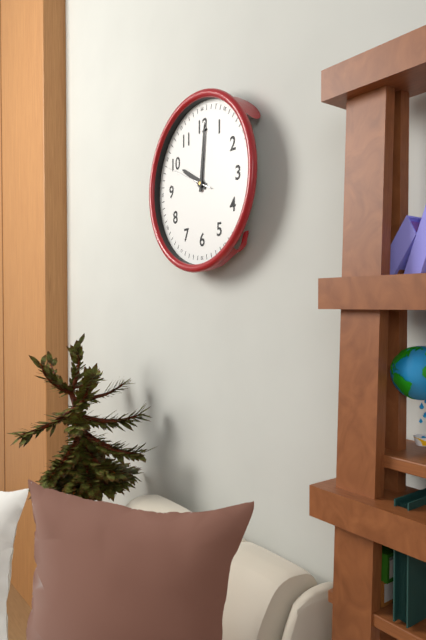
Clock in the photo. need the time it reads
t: 10:01
